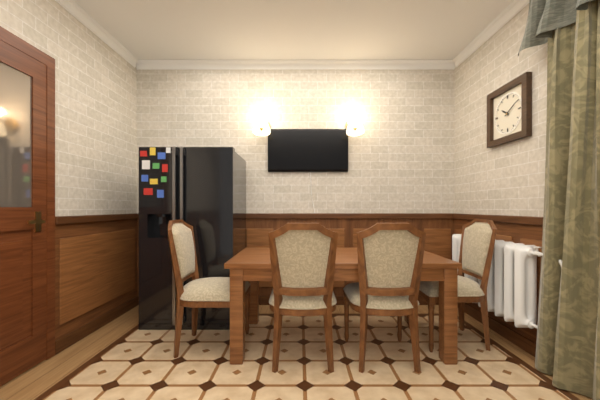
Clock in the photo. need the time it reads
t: 10:10
